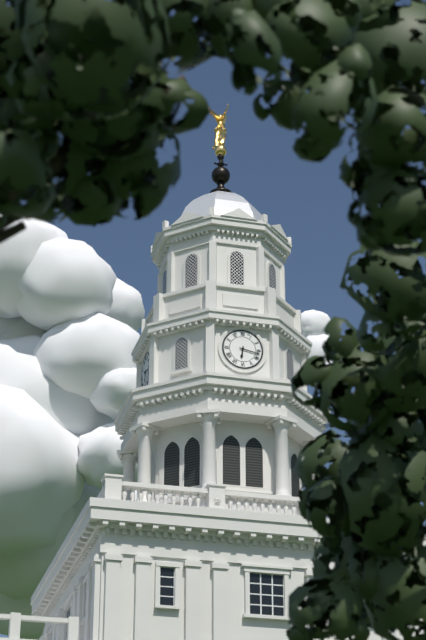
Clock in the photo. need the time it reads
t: 6:17
